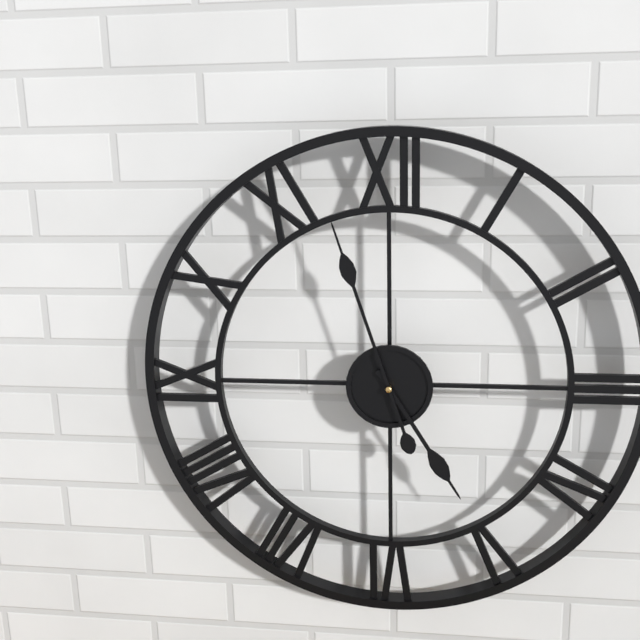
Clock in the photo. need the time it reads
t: 4:57
